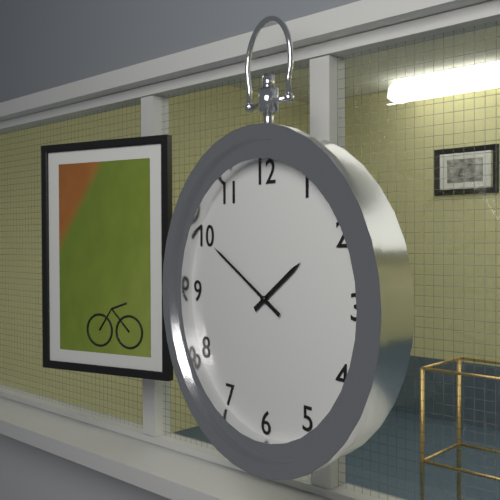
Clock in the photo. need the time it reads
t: 1:50
